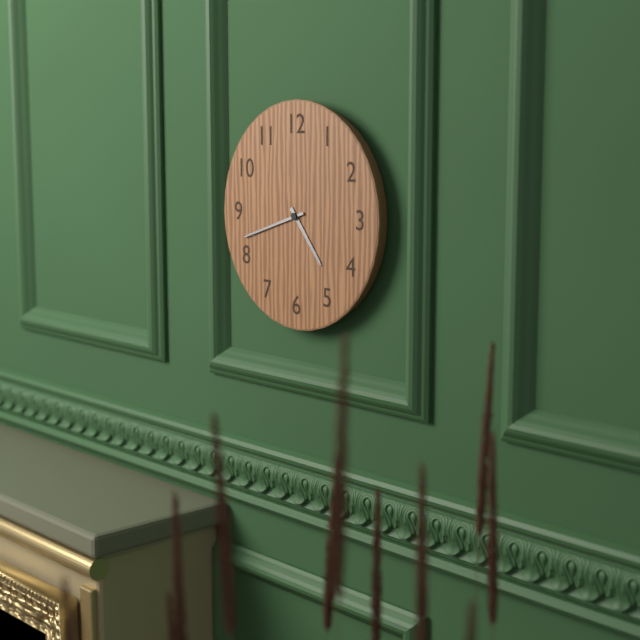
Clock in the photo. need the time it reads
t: 4:42
